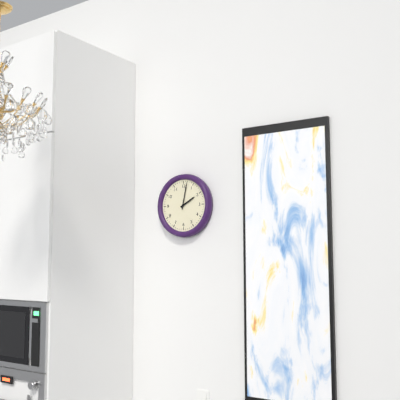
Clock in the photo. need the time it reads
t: 2:02
